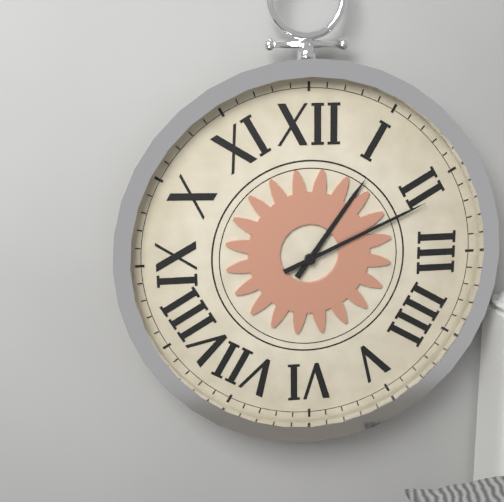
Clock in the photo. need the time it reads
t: 1:11
